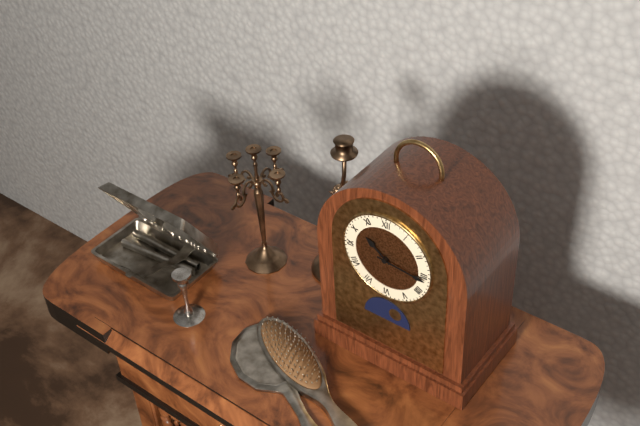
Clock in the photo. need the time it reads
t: 10:16
